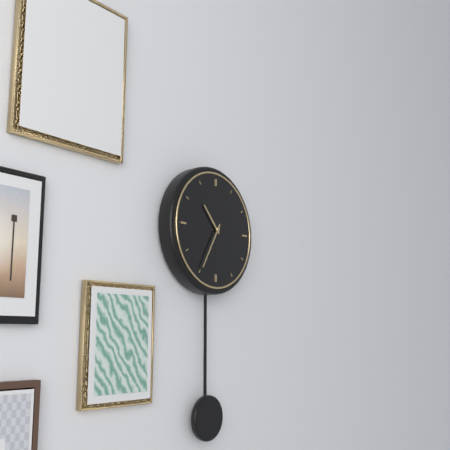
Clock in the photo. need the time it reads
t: 10:35
